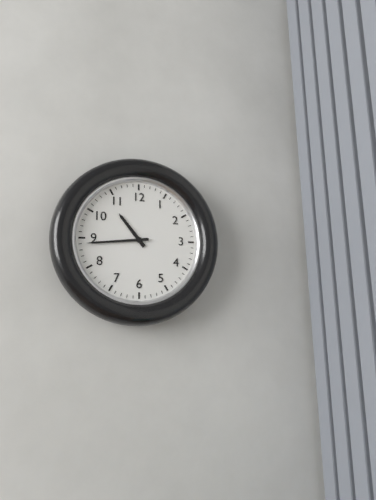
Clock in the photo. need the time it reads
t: 10:44
